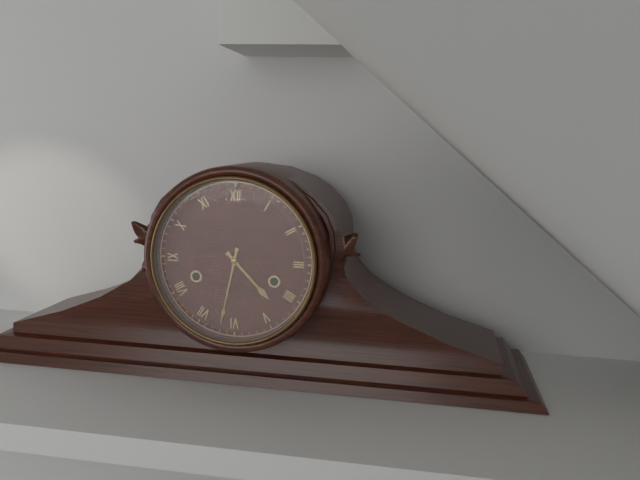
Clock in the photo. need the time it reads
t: 4:32
